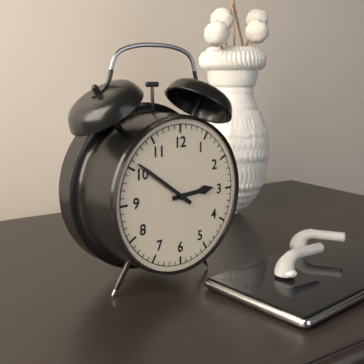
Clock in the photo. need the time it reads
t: 2:51
